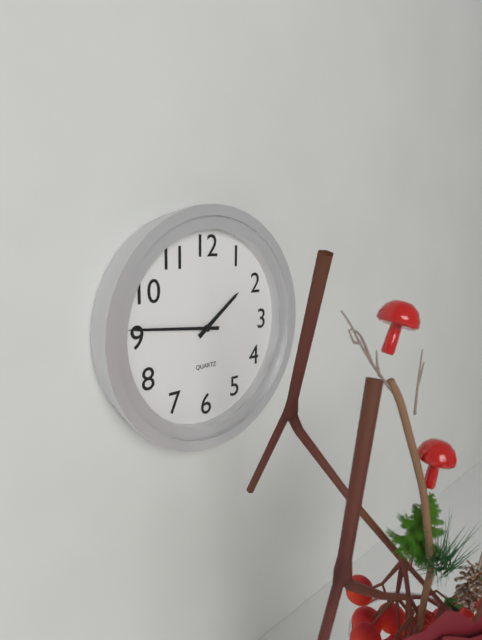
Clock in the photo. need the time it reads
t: 1:46
